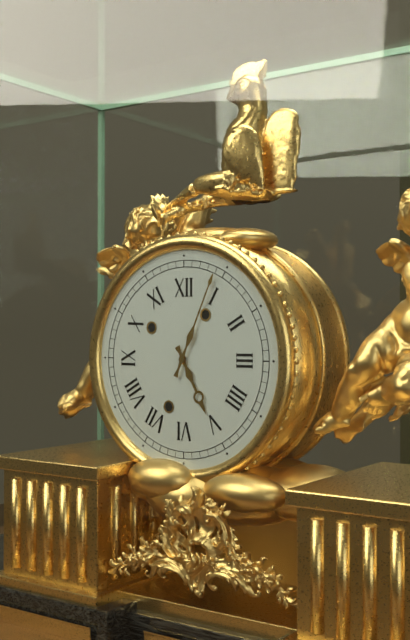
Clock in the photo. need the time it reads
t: 5:04
